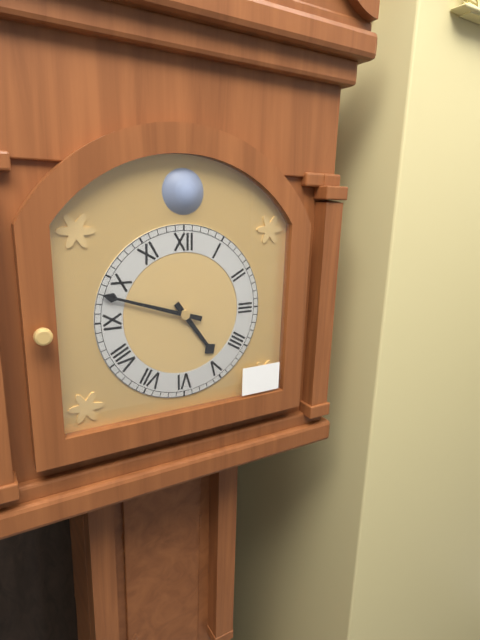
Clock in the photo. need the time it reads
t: 4:48
